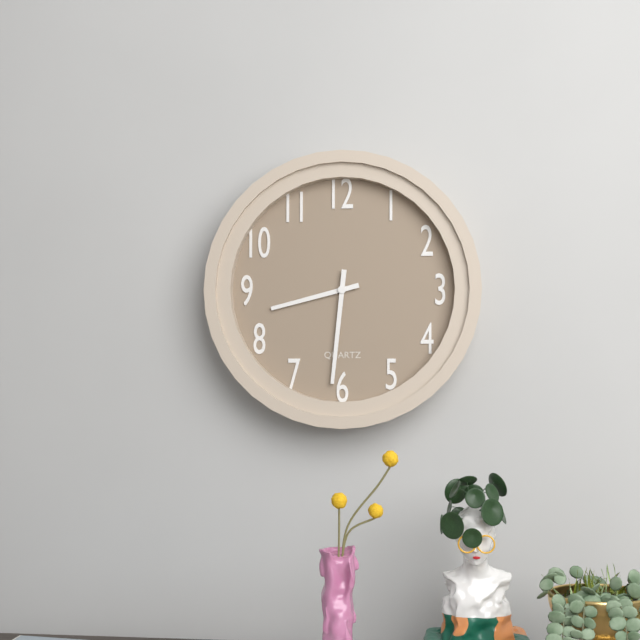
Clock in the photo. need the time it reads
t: 8:31
